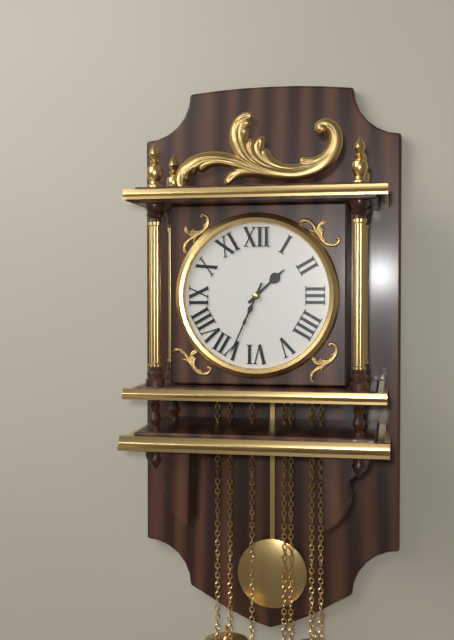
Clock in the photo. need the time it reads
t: 1:34
